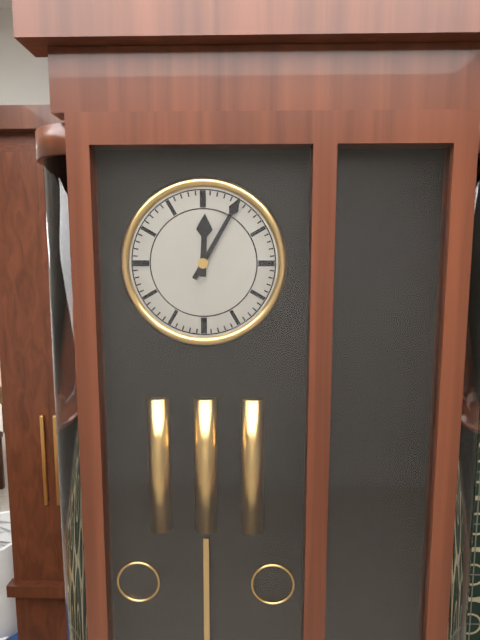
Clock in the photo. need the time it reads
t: 12:05
